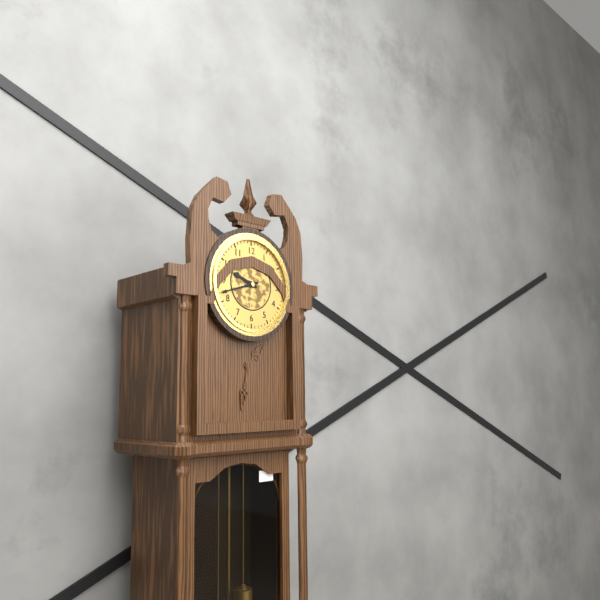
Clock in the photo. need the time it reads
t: 9:42
